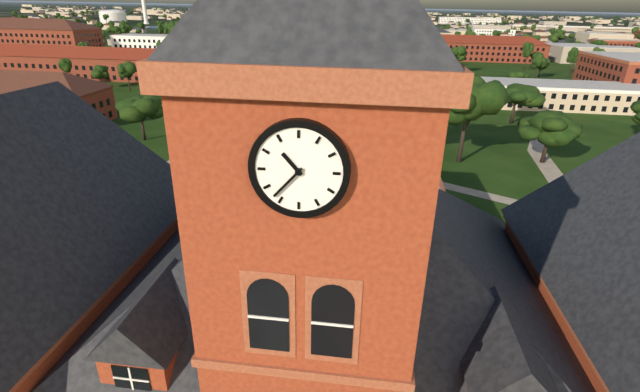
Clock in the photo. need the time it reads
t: 10:37
